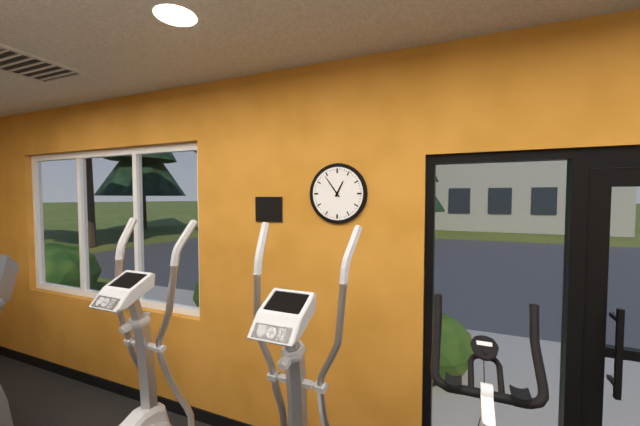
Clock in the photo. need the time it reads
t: 12:54
